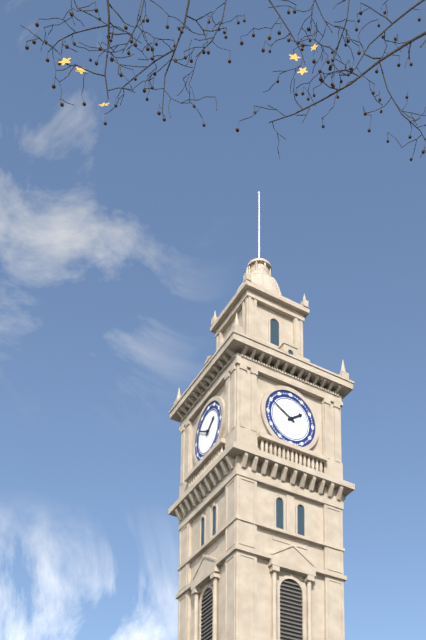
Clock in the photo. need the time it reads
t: 1:50
